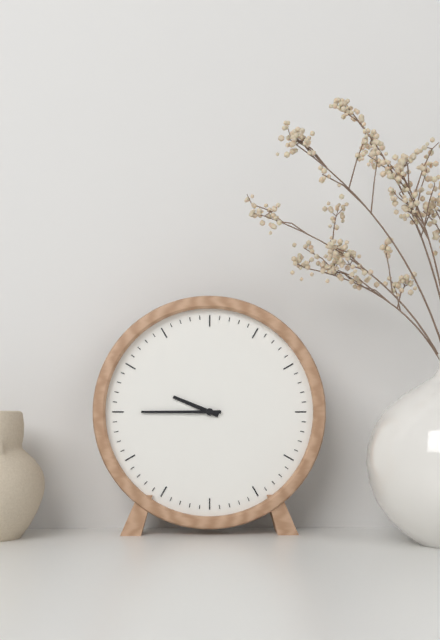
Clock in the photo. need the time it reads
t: 9:45
